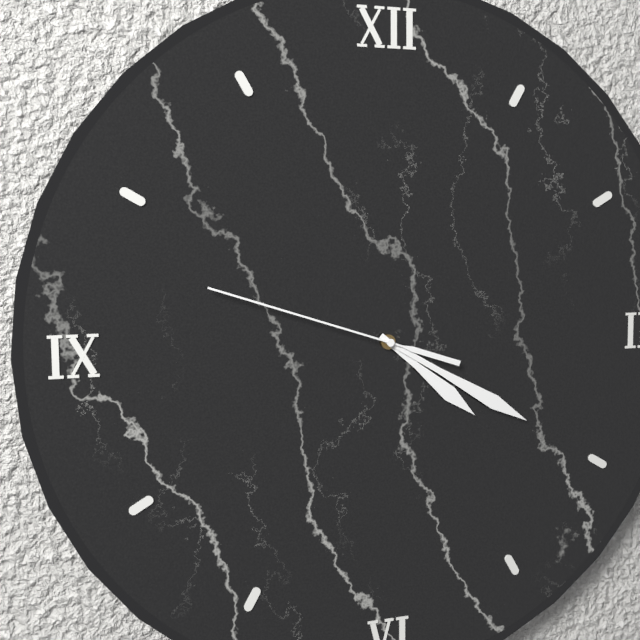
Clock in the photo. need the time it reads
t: 4:20:48
